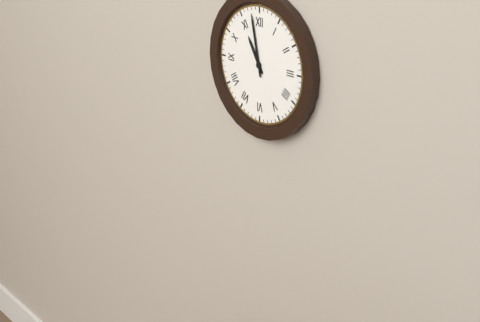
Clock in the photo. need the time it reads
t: 10:58
